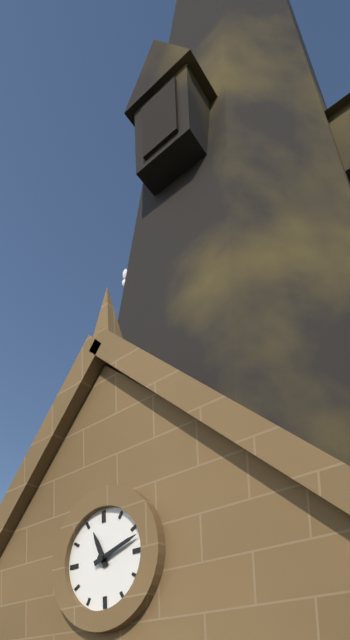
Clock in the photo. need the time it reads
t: 11:12
